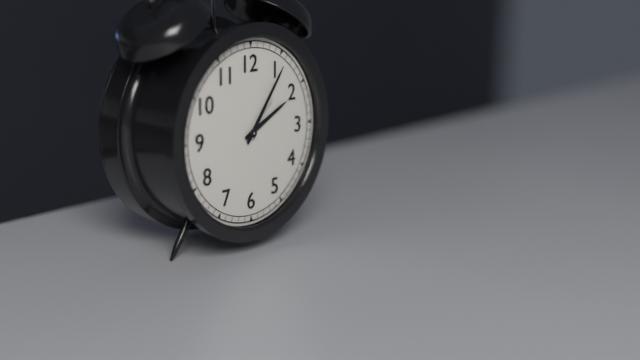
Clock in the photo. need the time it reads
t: 2:06
